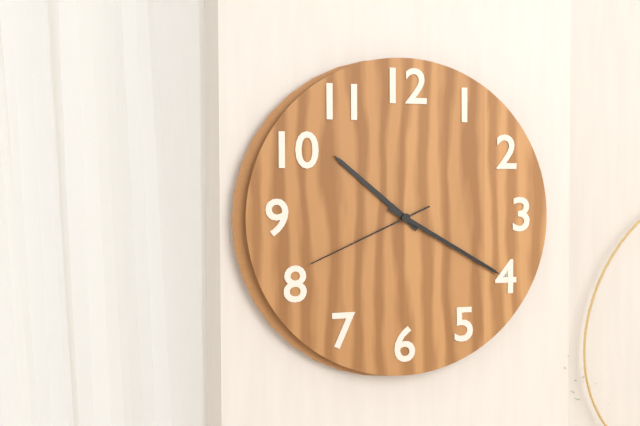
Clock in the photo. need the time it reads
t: 10:20:41
